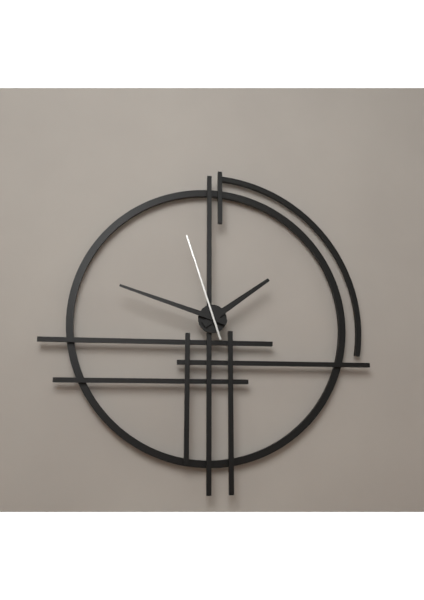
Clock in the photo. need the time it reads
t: 1:48:57
